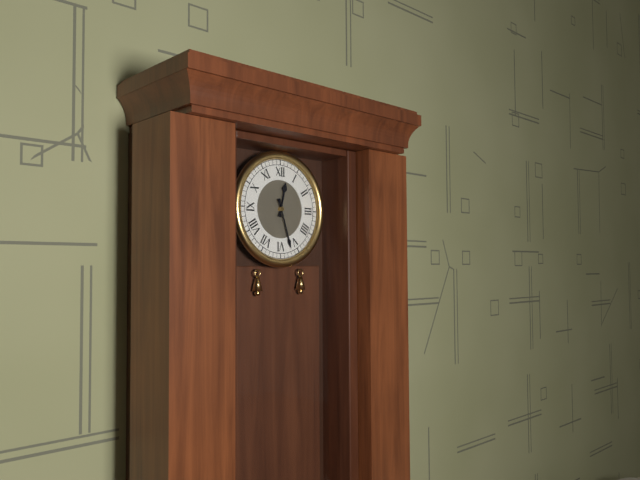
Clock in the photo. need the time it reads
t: 12:27
